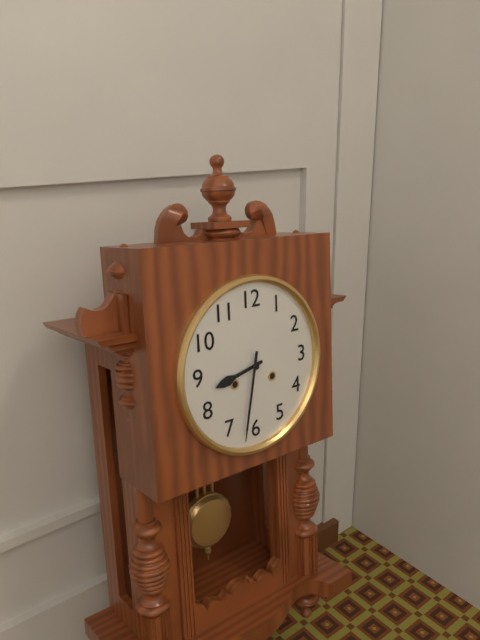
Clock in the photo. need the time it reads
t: 8:32
